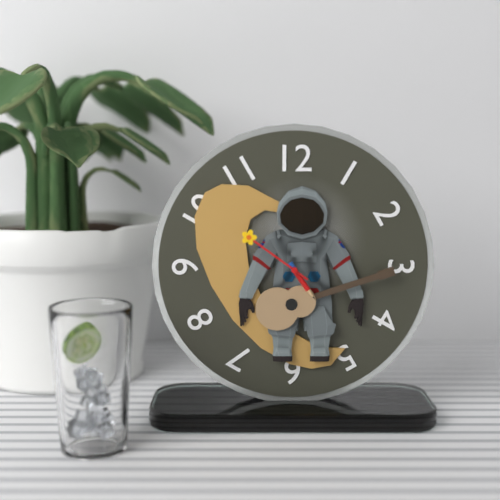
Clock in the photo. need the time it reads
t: 4:51
